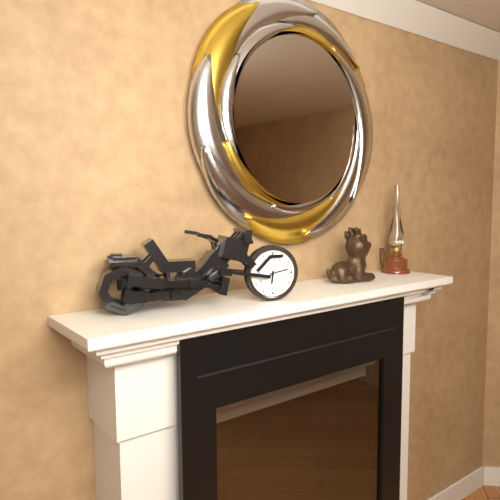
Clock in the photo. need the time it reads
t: 6:13
